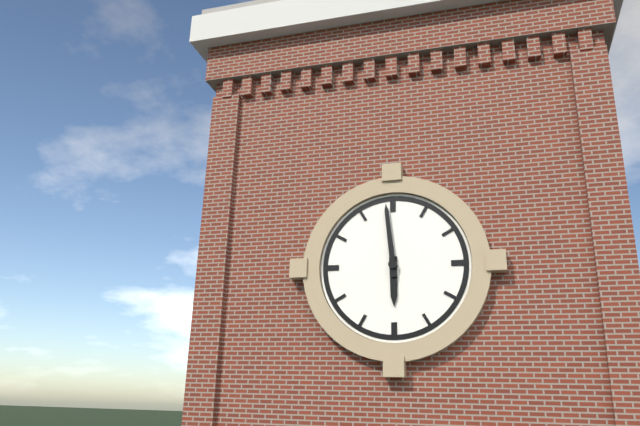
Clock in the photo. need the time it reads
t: 5:59
